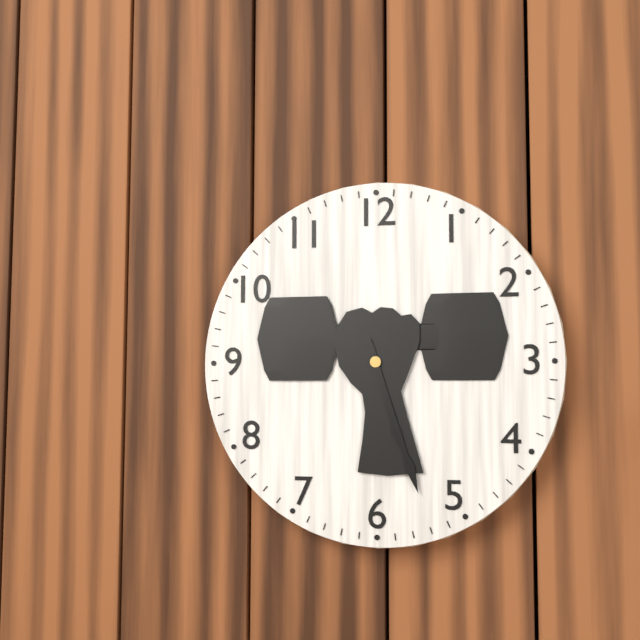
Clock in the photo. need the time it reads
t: 5:27
